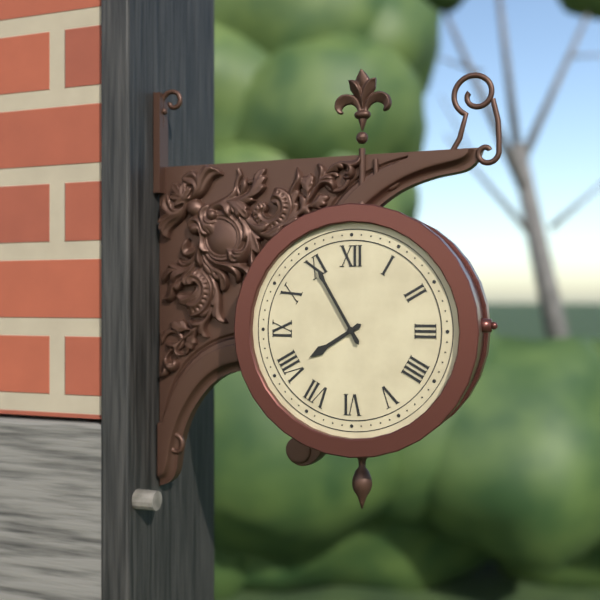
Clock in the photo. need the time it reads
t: 7:55
